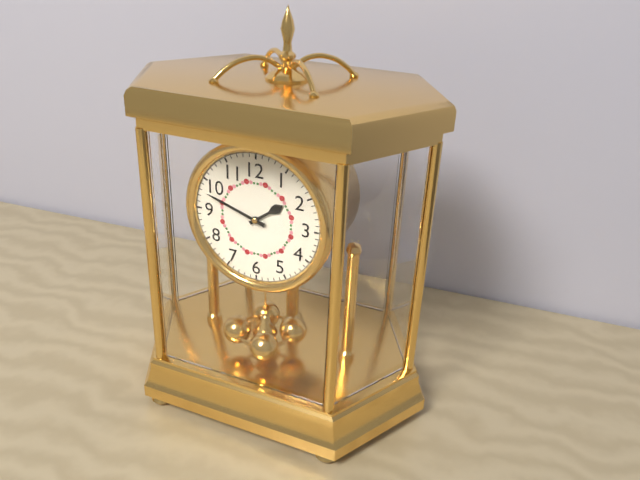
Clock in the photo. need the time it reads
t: 1:48
